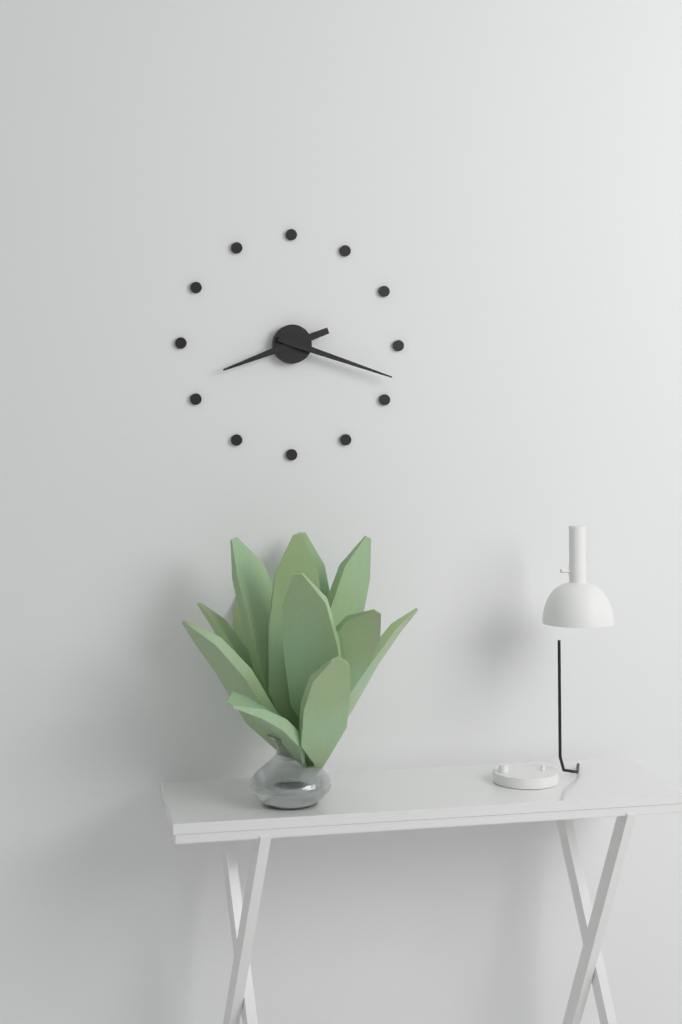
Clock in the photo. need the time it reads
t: 8:18
